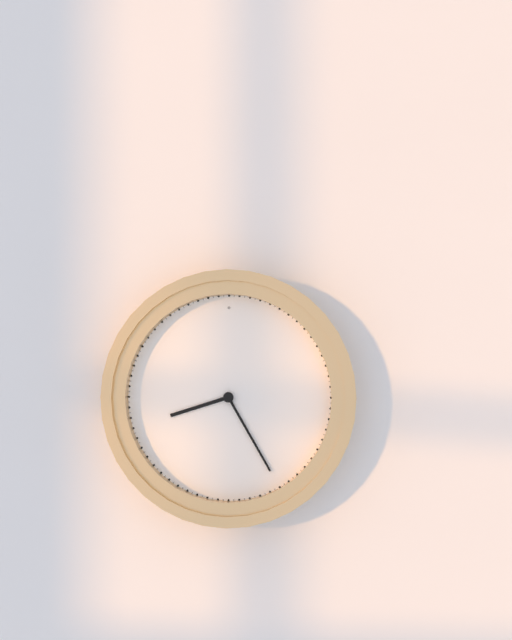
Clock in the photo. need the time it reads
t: 8:25
